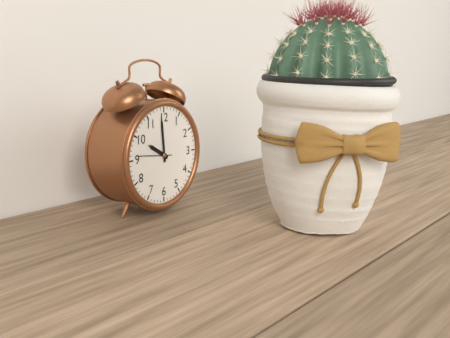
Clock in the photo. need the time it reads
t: 9:59
